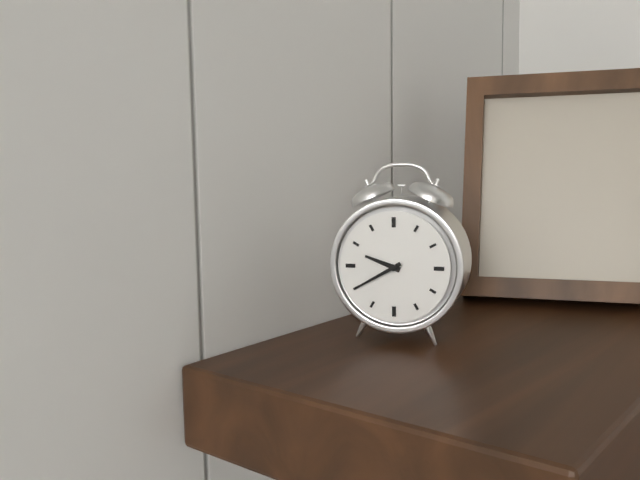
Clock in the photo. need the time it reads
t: 9:40
